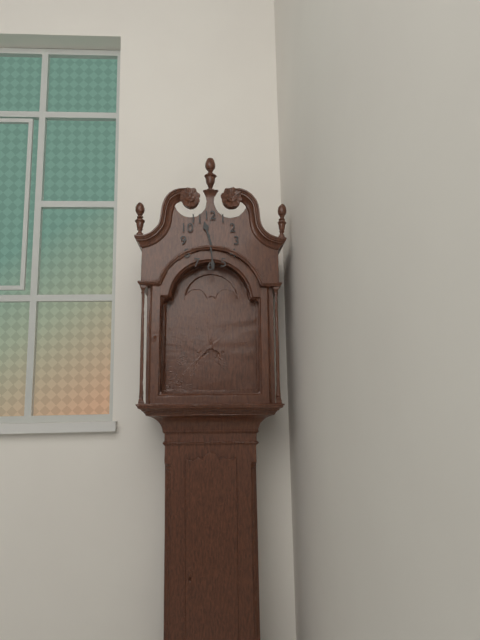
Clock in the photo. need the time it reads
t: 11:29
